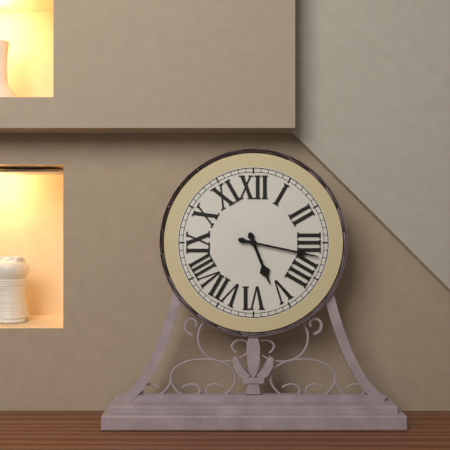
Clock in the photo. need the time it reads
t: 5:17
